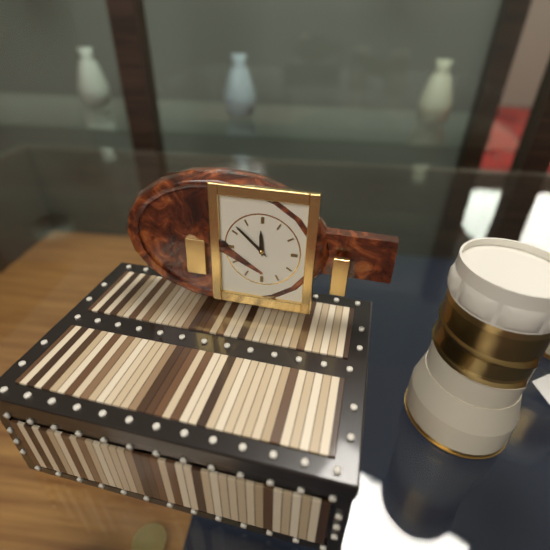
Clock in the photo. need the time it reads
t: 11:52
